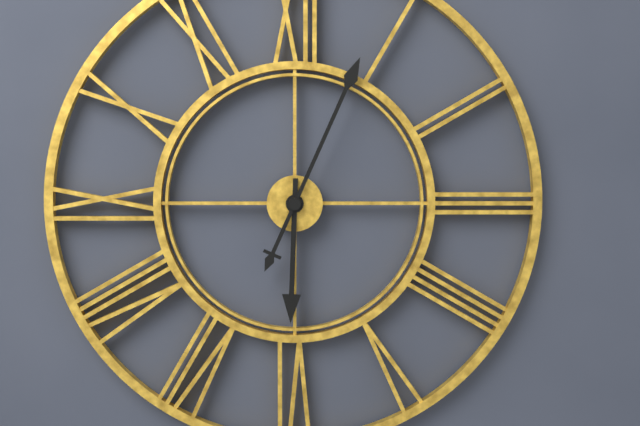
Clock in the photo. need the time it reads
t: 6:04
